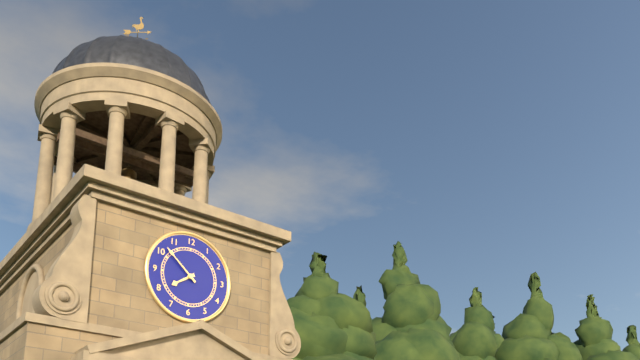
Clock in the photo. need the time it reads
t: 7:52
